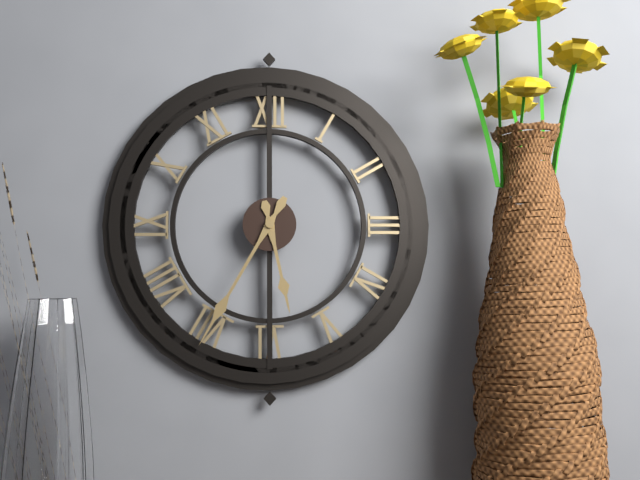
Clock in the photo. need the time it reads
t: 5:35
